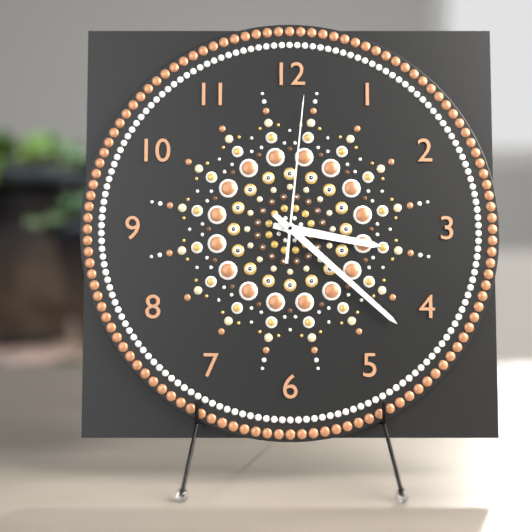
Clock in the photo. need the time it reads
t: 3:22:01
